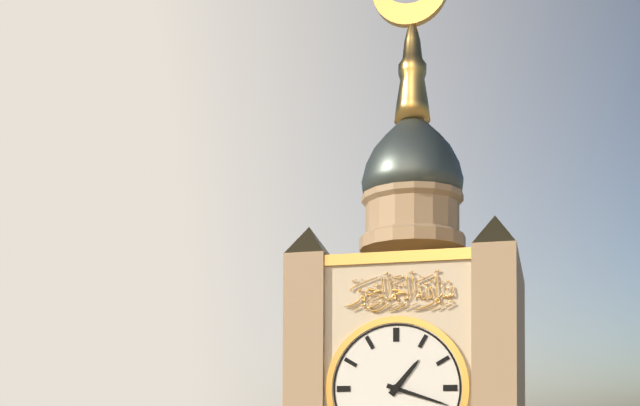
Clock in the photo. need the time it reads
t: 1:18
